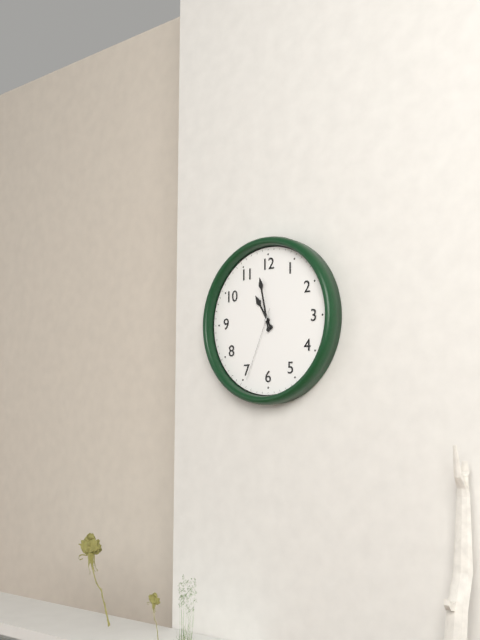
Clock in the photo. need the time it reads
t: 10:58:34
